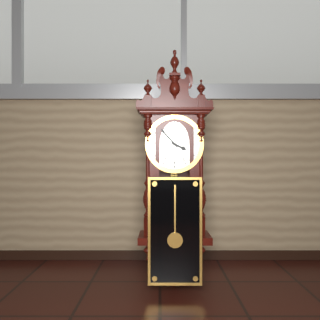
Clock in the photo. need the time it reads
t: 3:53
